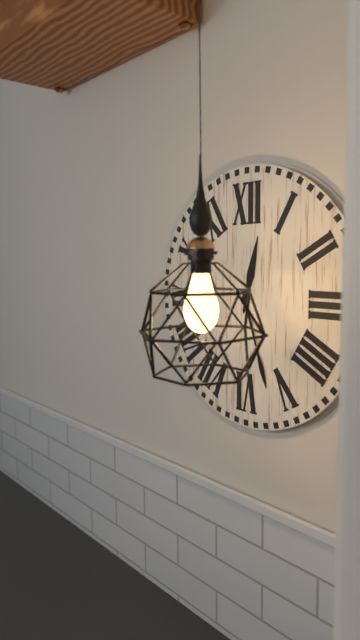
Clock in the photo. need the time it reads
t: 12:27
